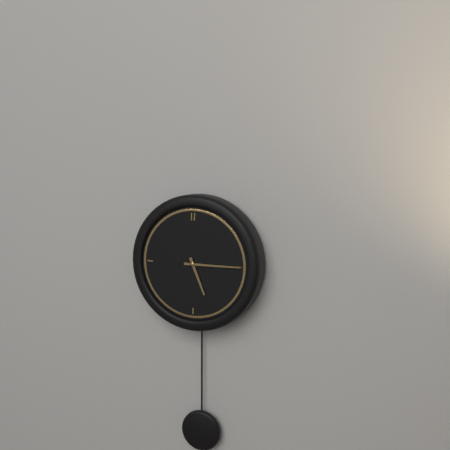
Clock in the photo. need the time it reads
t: 5:15
